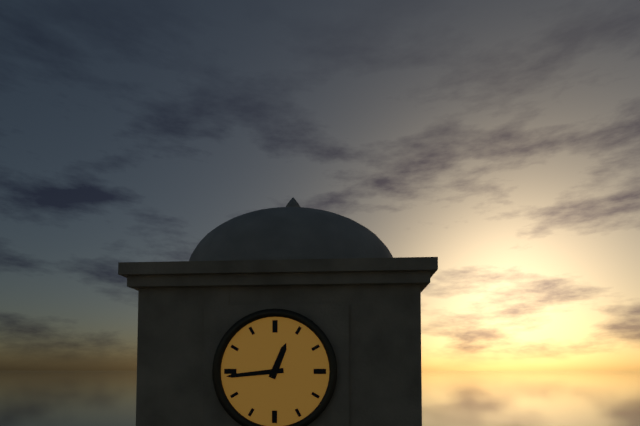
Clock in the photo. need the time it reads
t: 12:44
